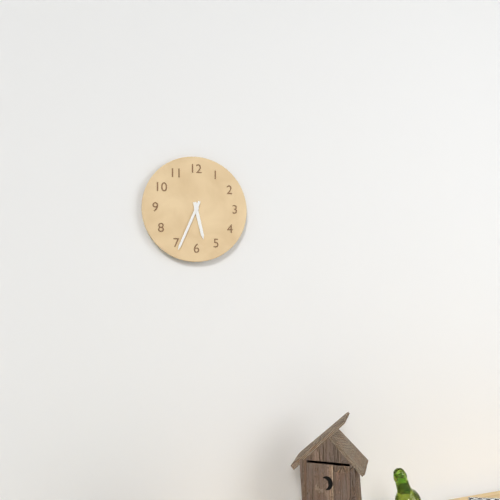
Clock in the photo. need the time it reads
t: 5:34
